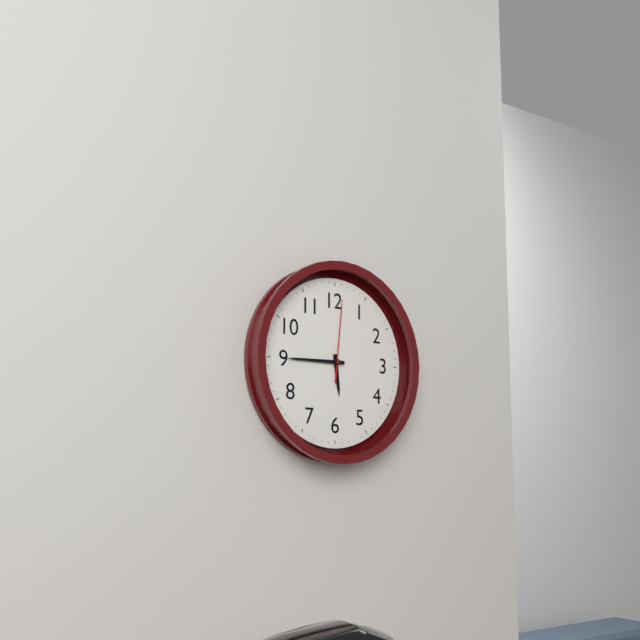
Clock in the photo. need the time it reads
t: 5:45:01
